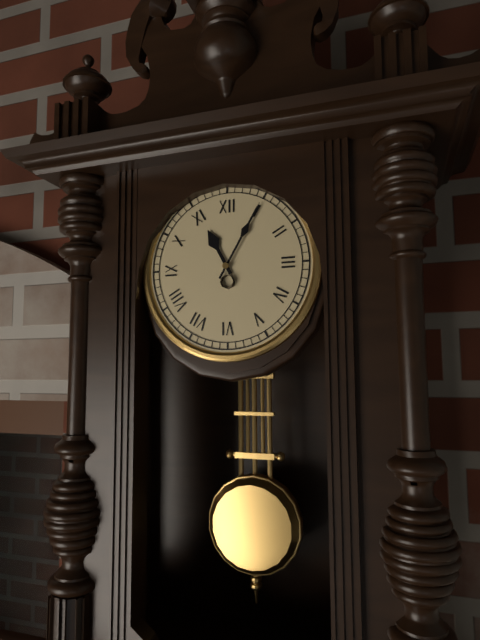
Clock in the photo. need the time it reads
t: 11:05
